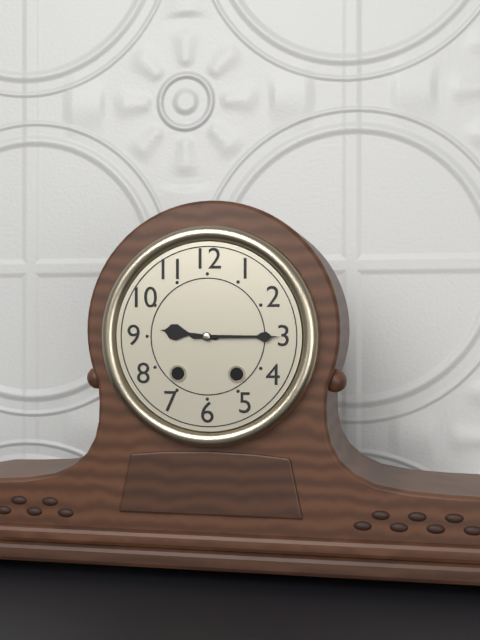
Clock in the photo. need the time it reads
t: 9:15
